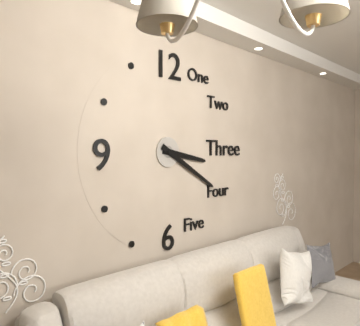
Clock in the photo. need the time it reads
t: 3:20
